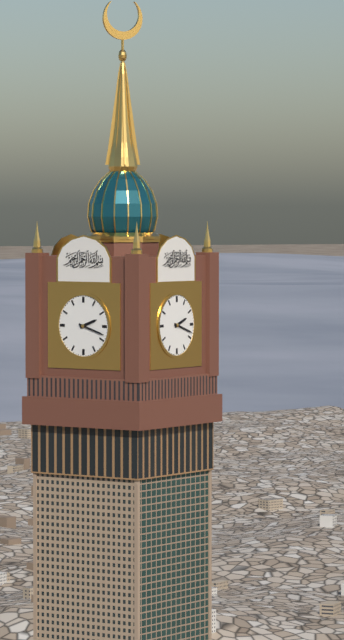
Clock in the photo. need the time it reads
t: 2:18
